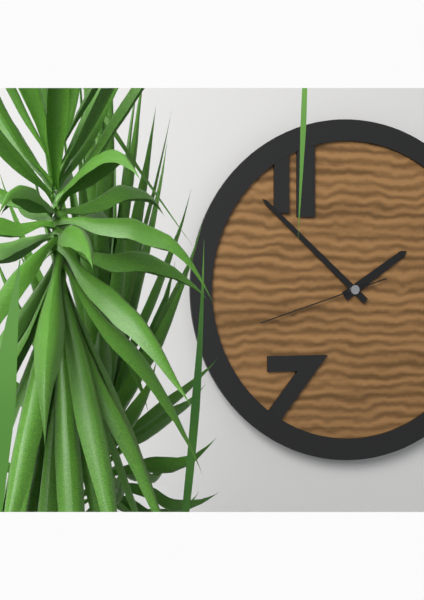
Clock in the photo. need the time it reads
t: 1:52:42
